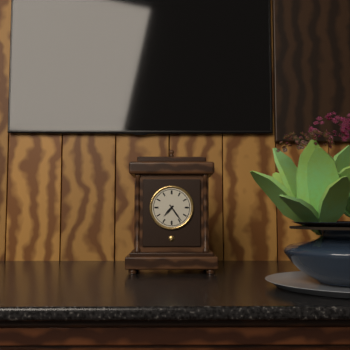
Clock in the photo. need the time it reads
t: 7:24
